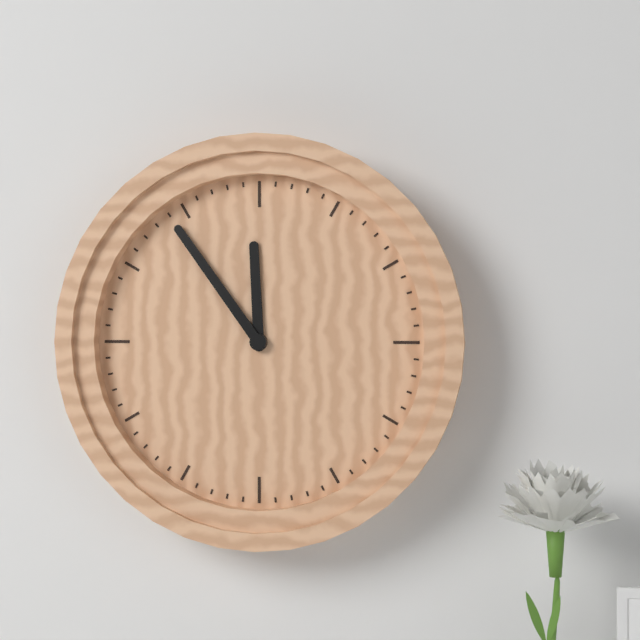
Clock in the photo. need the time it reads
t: 11:54
